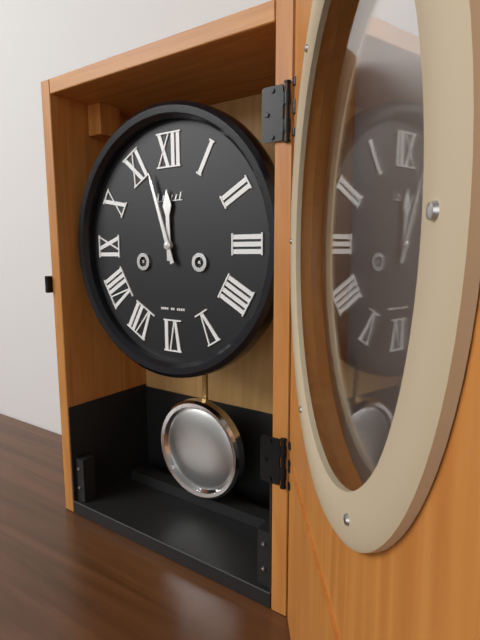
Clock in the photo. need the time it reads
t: 11:57
